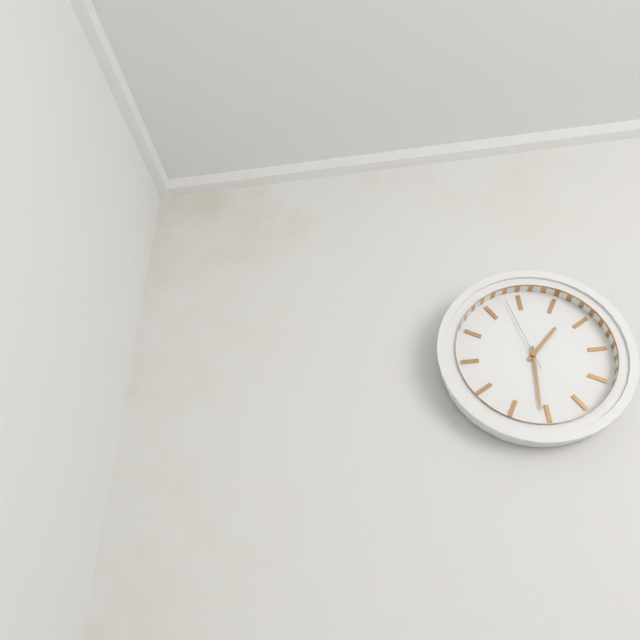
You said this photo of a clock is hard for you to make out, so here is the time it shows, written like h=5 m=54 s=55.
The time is h=1 m=31 s=58
